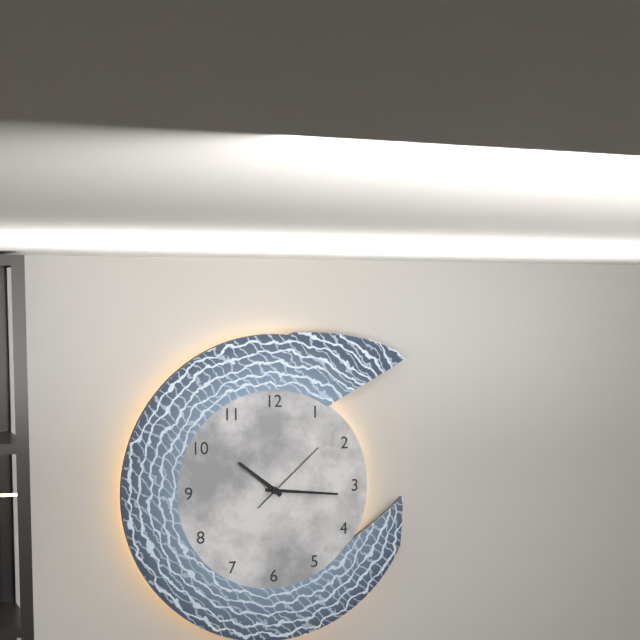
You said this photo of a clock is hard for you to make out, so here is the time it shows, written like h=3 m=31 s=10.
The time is h=10 m=16 s=8
